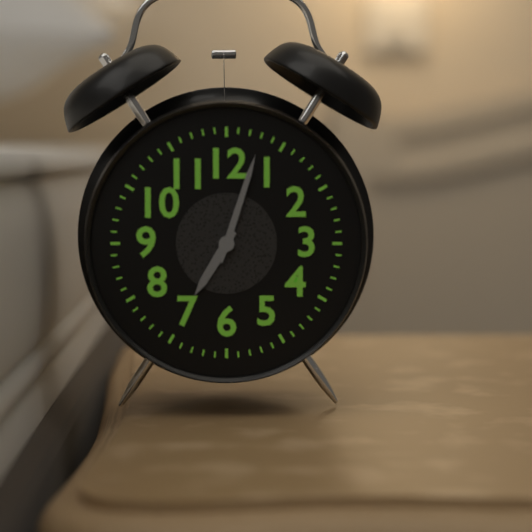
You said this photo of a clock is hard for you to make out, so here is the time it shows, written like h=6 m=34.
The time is h=7 m=3
